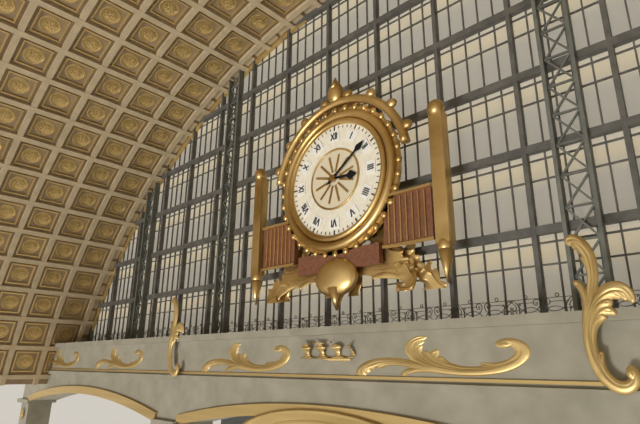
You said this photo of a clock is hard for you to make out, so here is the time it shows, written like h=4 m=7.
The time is h=3 m=9
